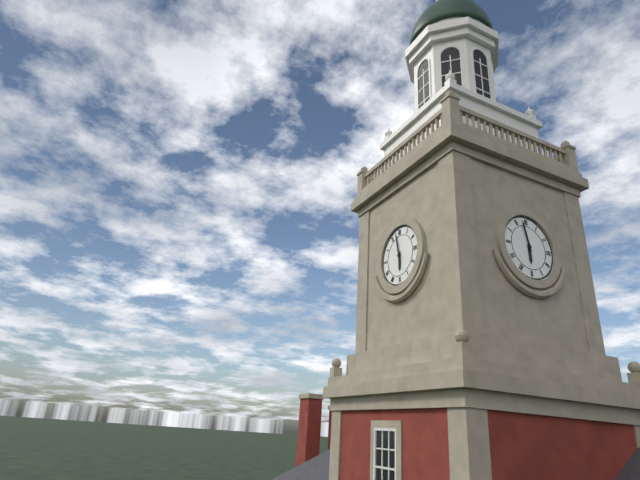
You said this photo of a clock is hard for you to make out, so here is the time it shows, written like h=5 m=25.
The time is h=5 m=58
